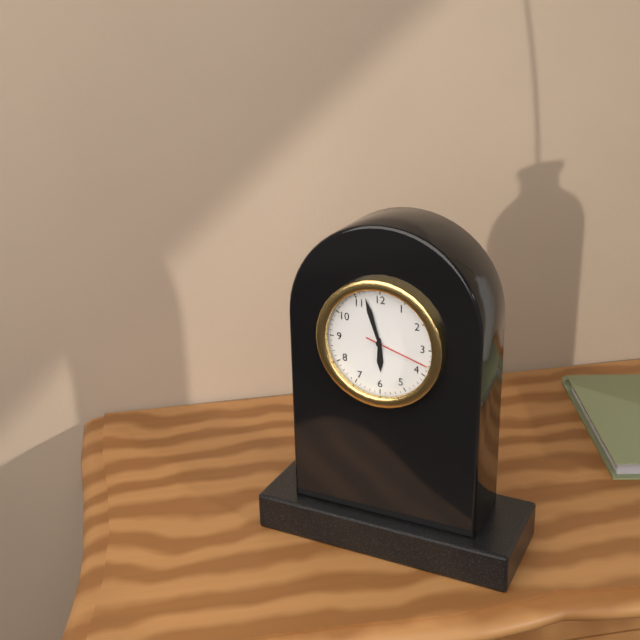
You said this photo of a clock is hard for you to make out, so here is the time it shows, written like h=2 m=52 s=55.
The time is h=5 m=57 s=18
